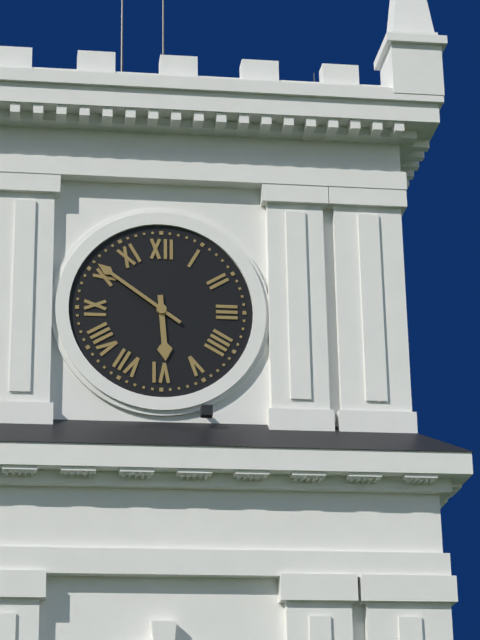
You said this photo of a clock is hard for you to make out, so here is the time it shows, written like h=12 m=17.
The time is h=5 m=51
